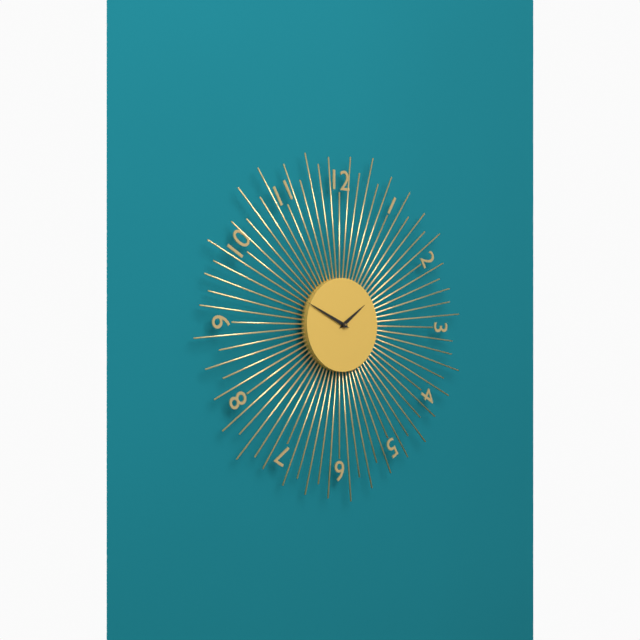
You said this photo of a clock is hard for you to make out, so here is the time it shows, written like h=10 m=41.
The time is h=1 m=49
